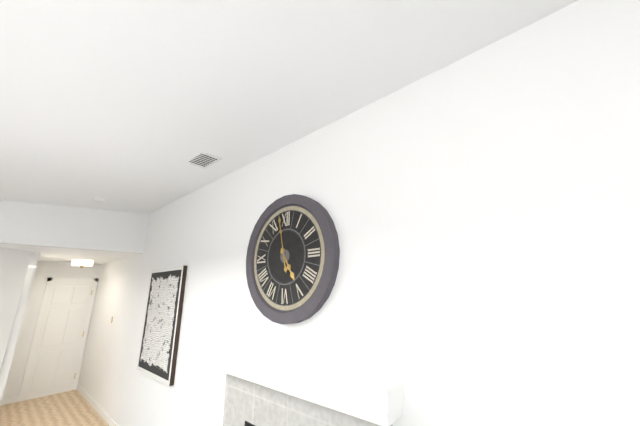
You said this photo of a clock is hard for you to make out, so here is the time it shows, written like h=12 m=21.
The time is h=4 m=58
